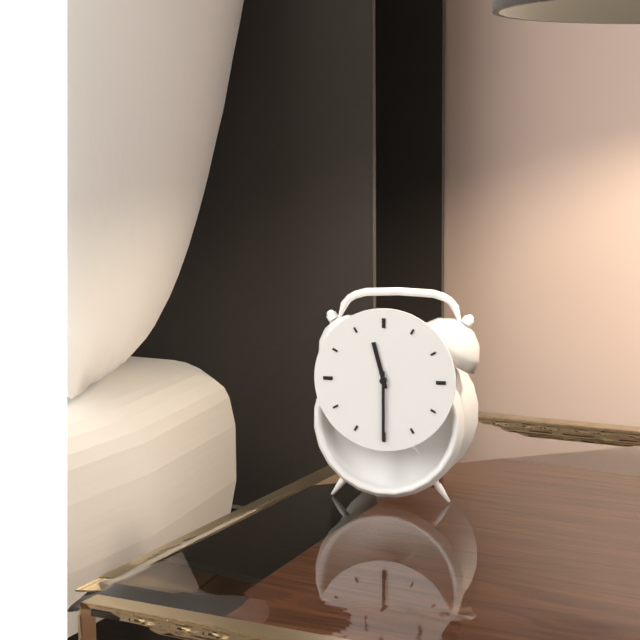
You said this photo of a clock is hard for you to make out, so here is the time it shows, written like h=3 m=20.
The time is h=11 m=30
